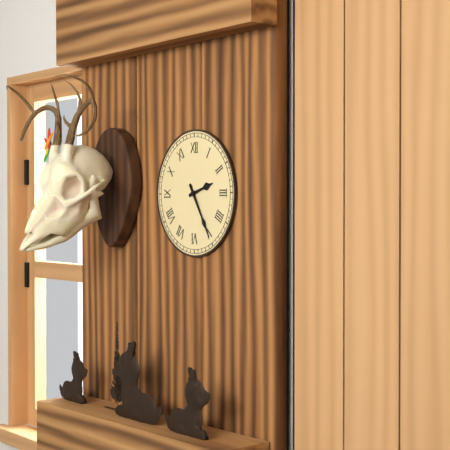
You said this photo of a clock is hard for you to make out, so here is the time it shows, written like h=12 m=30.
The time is h=2 m=25
